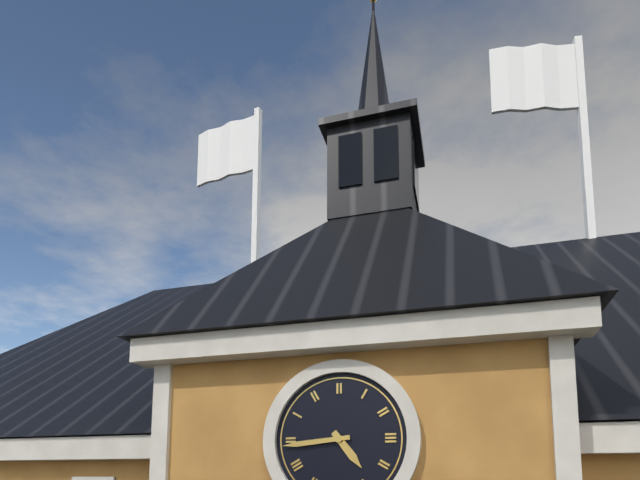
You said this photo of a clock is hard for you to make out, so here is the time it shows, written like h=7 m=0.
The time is h=4 m=44
